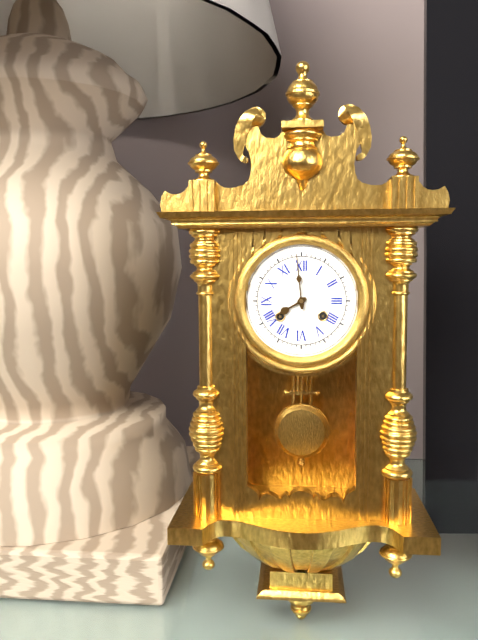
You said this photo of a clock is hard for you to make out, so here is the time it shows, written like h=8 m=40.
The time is h=7 m=59
